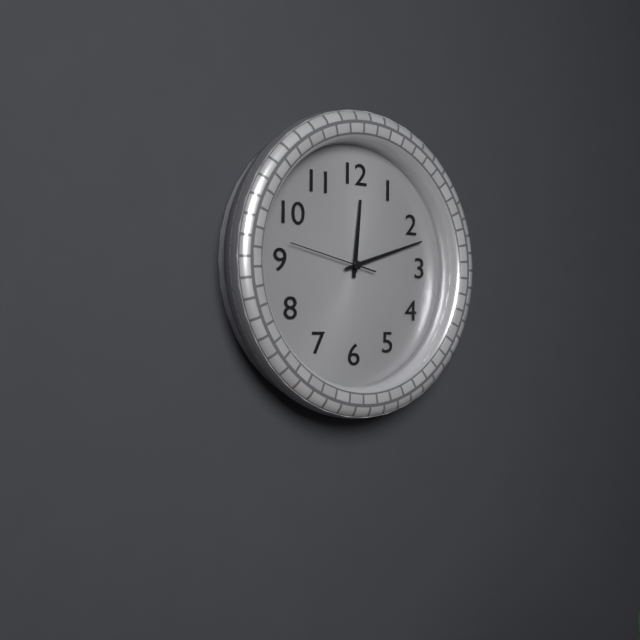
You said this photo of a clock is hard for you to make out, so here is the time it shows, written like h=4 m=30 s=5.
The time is h=12 m=12 s=47
